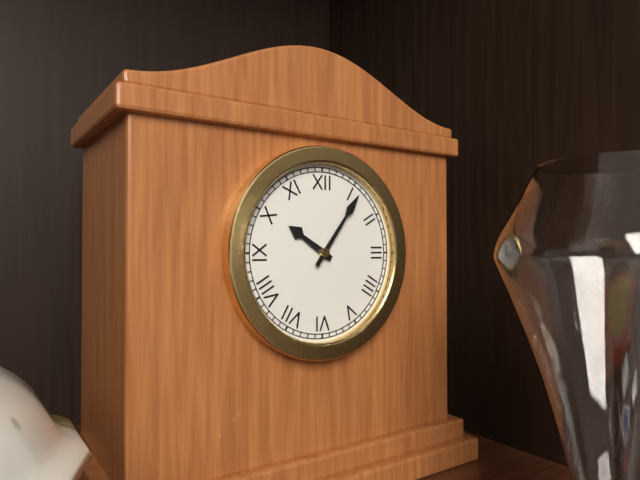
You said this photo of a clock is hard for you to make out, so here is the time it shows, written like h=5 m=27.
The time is h=10 m=6
